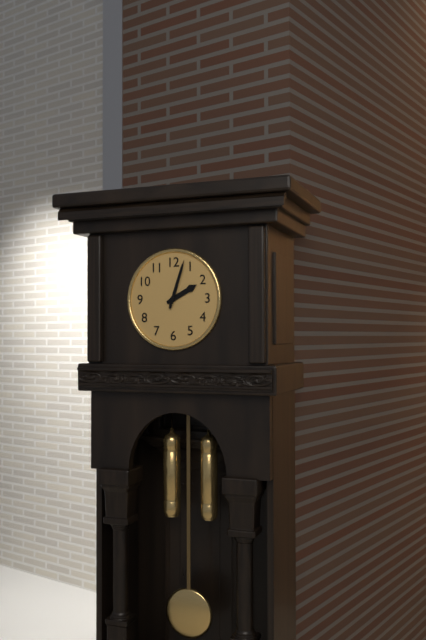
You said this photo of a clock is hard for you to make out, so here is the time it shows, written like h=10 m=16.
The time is h=2 m=3
